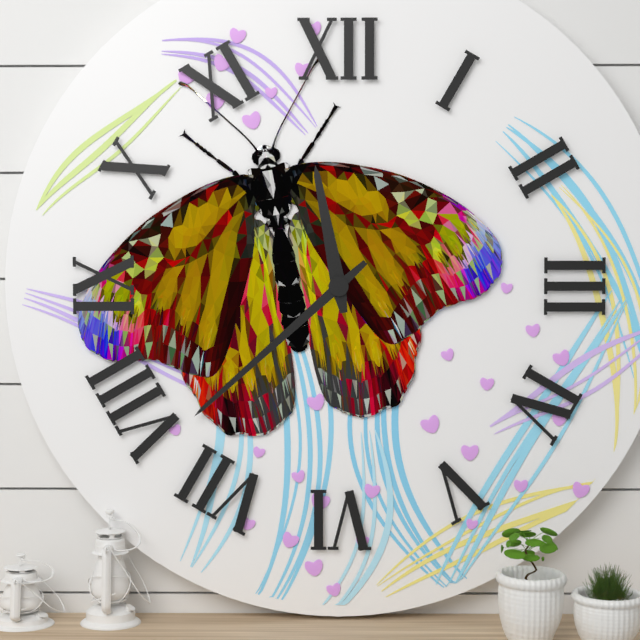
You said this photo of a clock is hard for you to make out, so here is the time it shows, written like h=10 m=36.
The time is h=11 m=38
